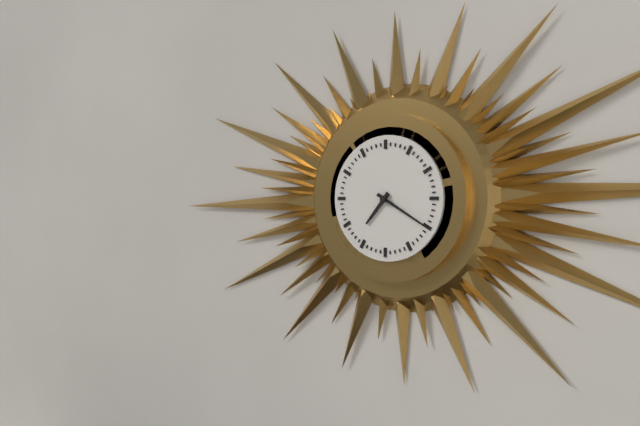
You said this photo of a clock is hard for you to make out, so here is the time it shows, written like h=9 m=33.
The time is h=7 m=20
